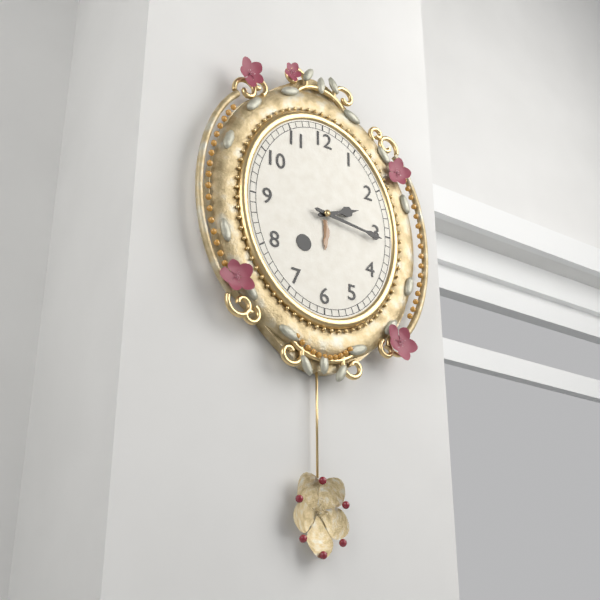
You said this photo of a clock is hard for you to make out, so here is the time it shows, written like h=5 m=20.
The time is h=2 m=16
